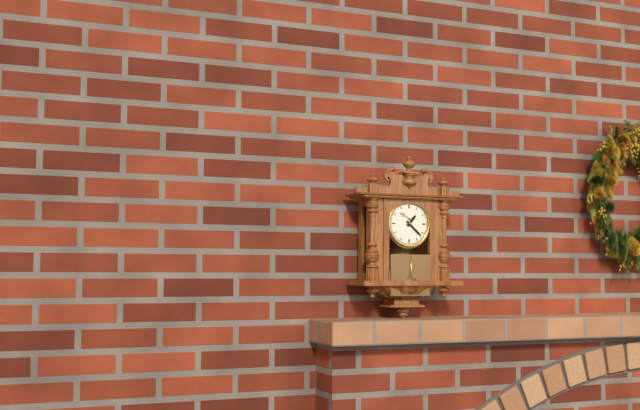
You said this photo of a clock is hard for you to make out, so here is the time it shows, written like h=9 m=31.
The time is h=1 m=22
